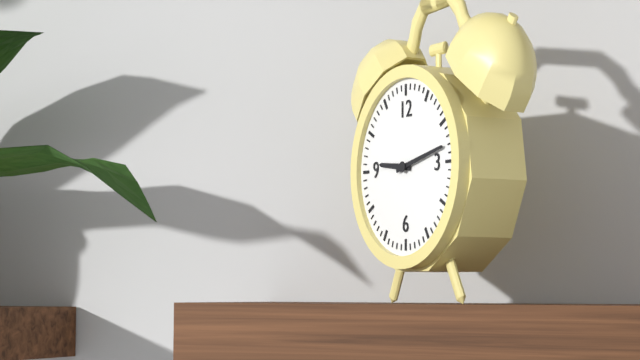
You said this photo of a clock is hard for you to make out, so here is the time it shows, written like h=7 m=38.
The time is h=9 m=13
